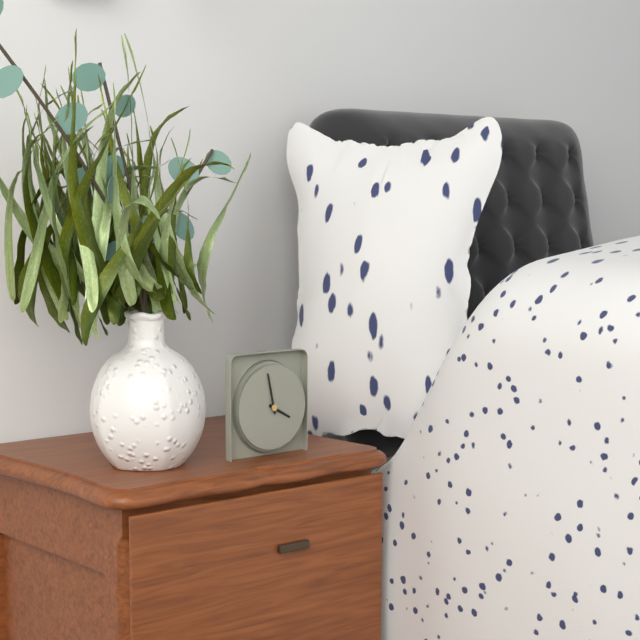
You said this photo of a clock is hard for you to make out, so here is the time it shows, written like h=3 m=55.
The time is h=3 m=58
